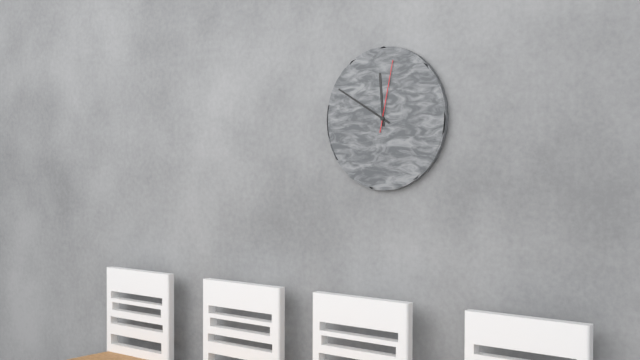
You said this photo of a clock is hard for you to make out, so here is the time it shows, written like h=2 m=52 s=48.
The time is h=11 m=50 s=2
